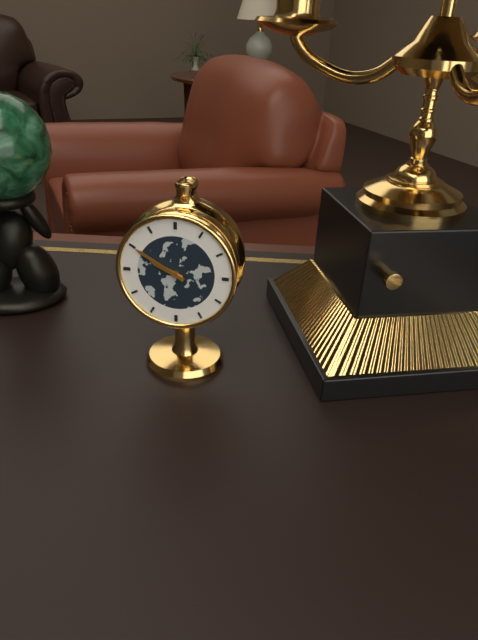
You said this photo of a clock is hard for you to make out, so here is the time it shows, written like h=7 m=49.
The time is h=9 m=50
